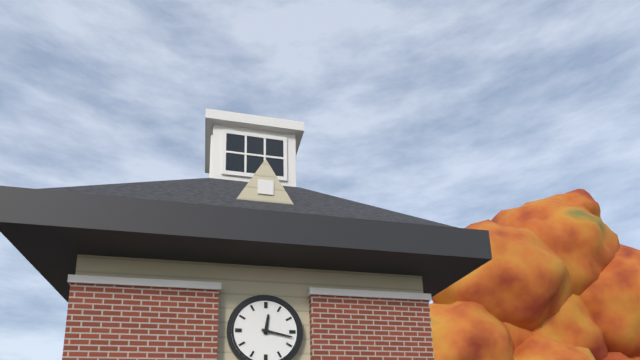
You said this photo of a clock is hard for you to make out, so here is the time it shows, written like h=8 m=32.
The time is h=12 m=17
